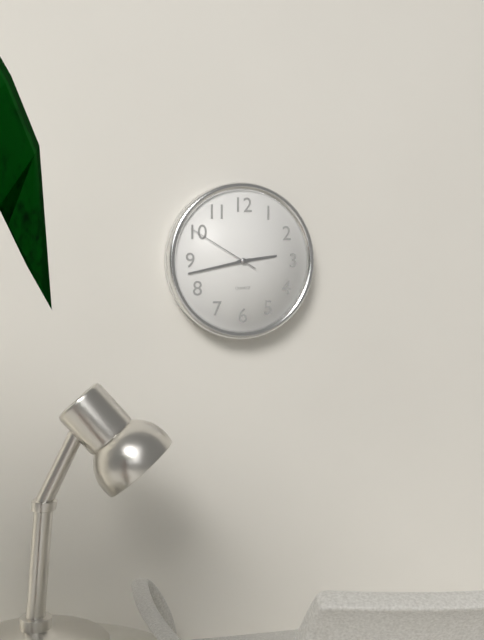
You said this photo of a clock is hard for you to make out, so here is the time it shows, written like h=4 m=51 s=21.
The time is h=2 m=43 s=50
